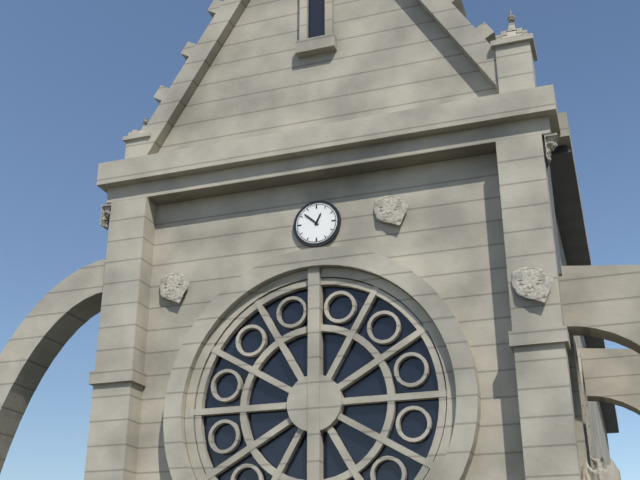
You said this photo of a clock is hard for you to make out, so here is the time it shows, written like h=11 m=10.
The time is h=12 m=52
